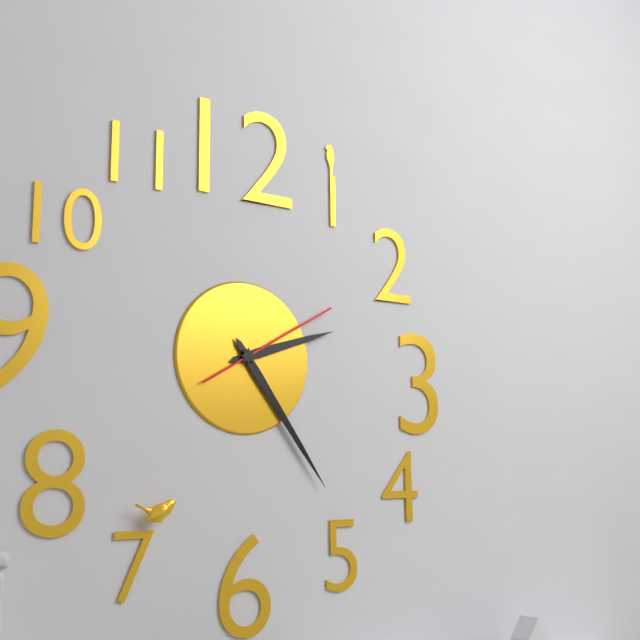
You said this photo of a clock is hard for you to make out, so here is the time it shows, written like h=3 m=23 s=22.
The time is h=2 m=24 s=10
